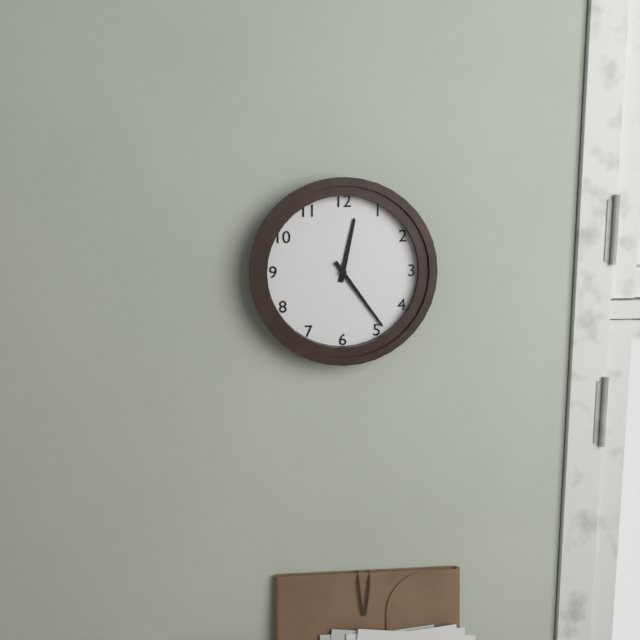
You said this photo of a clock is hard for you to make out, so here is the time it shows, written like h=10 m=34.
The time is h=12 m=24
